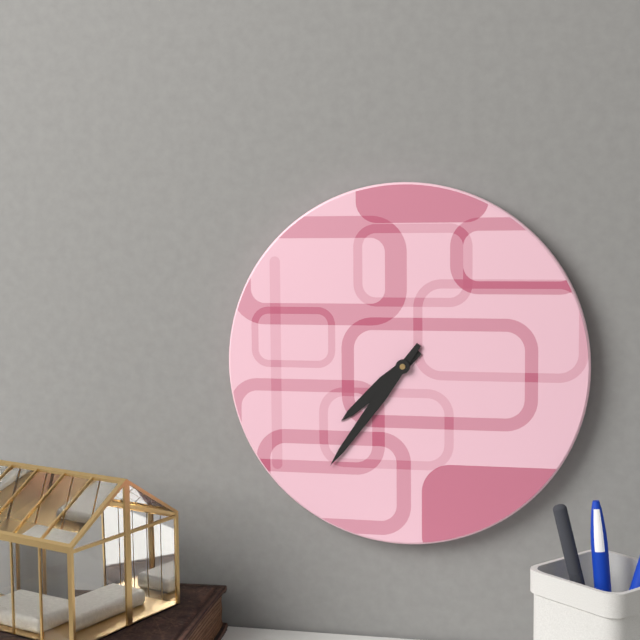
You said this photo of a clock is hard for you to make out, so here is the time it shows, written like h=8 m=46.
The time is h=7 m=36
